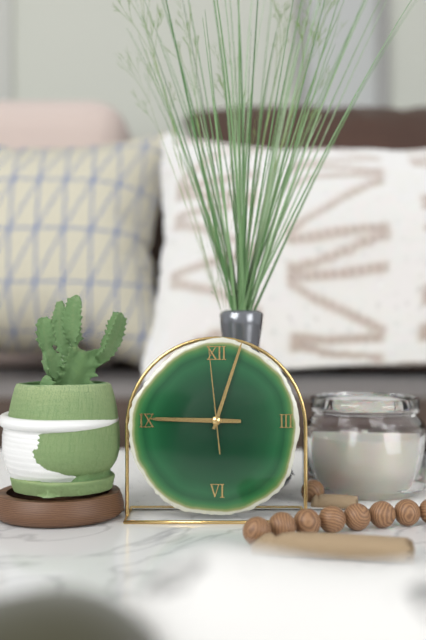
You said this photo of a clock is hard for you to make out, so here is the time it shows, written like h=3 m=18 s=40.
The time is h=9 m=3 s=59
